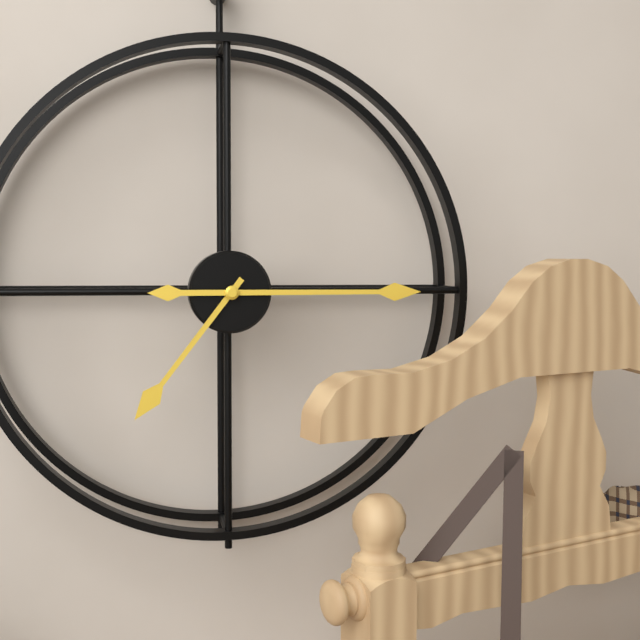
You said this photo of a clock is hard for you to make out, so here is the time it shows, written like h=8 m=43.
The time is h=7 m=15
